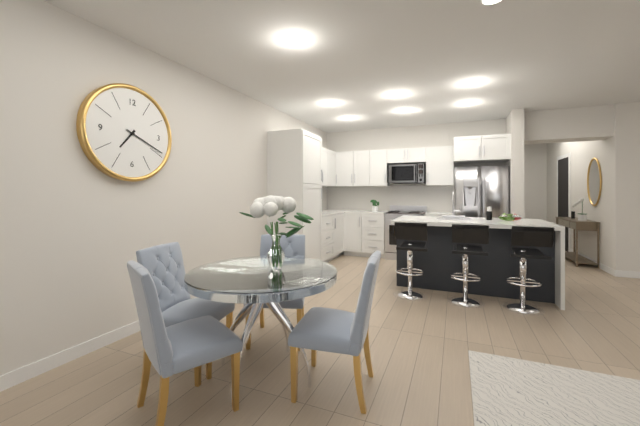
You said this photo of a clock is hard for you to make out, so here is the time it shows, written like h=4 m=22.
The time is h=7 m=19
